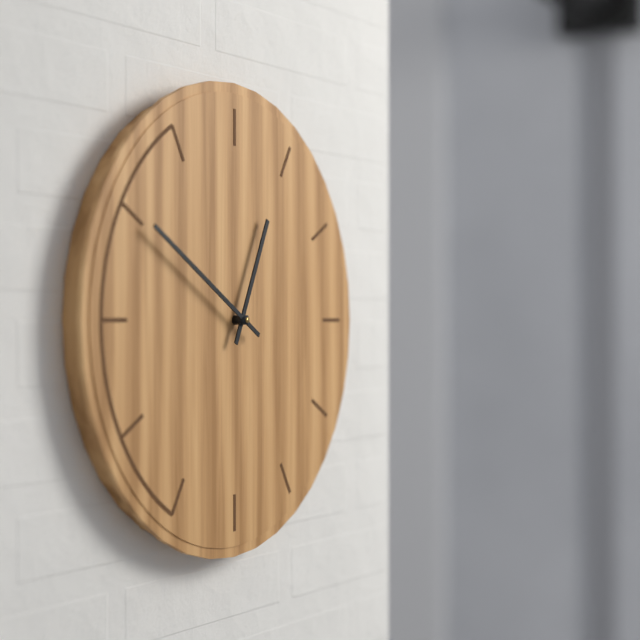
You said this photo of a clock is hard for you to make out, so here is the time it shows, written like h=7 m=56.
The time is h=12 m=50
